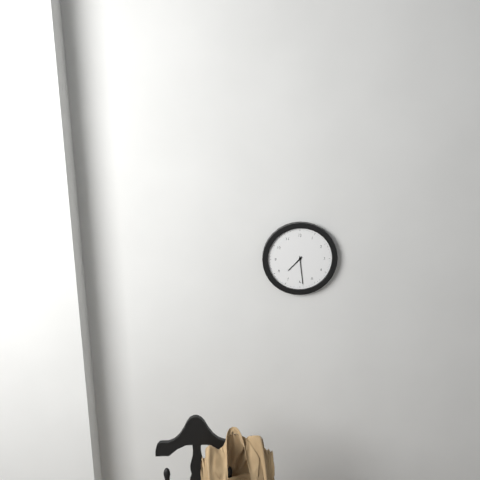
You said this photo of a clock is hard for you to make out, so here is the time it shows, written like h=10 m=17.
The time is h=7 m=29
